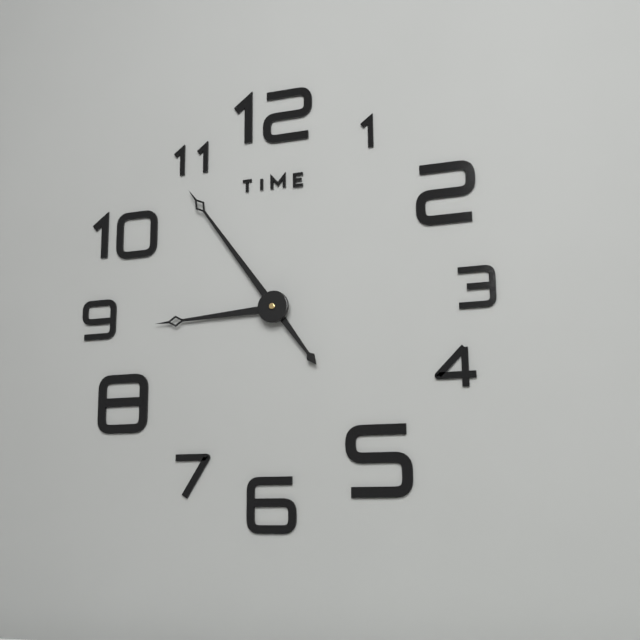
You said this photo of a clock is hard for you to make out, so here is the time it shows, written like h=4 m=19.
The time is h=8 m=54
